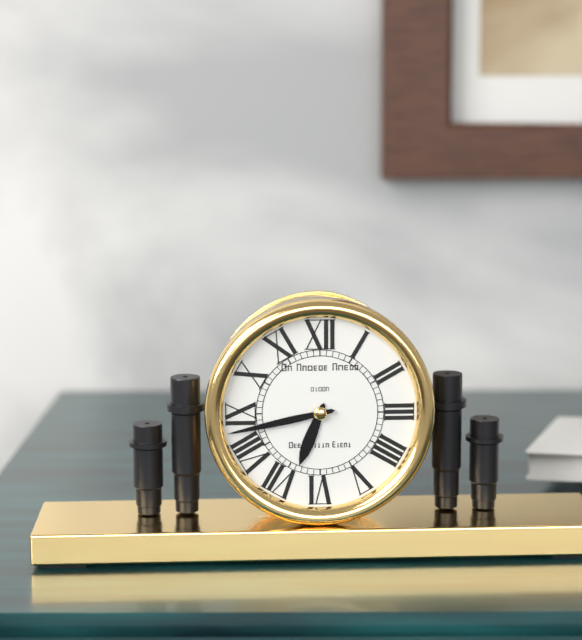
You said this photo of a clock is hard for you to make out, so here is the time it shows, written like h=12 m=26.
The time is h=6 m=43
